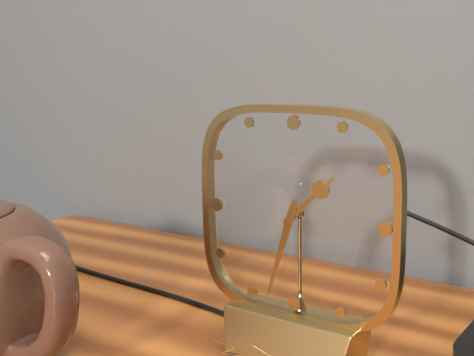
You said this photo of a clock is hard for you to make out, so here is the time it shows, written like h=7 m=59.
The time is h=1 m=33
